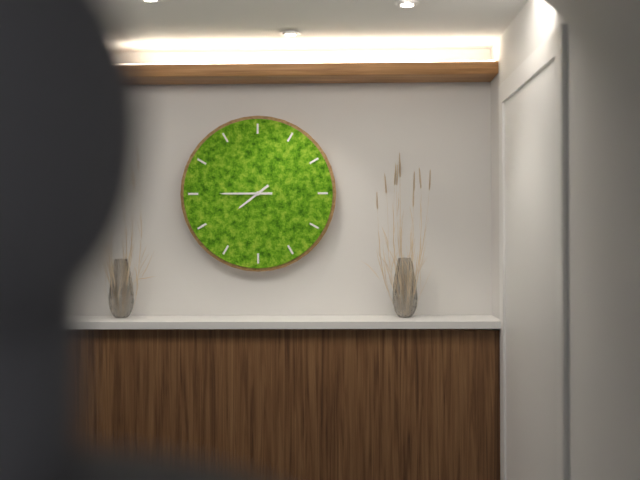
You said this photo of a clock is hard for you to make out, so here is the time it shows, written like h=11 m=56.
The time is h=7 m=45
